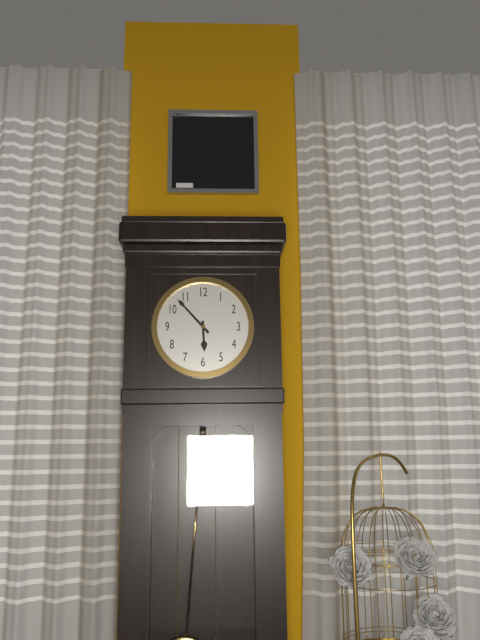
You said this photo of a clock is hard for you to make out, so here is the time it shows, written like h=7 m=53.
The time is h=5 m=53
